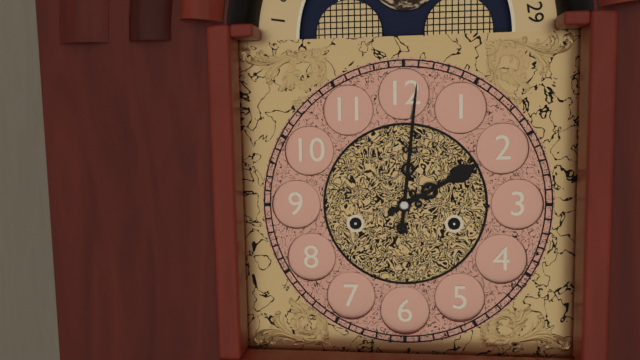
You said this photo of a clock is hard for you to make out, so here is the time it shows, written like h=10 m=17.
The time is h=2 m=1
